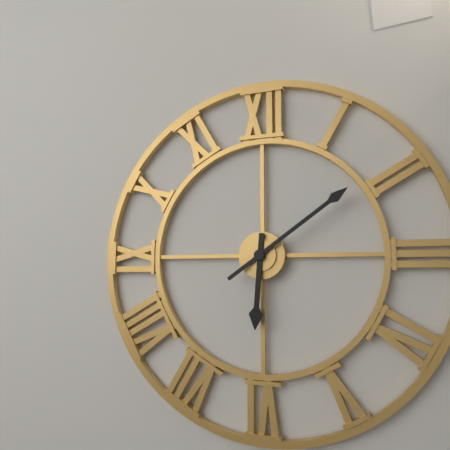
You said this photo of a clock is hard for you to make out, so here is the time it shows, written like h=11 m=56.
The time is h=6 m=9
